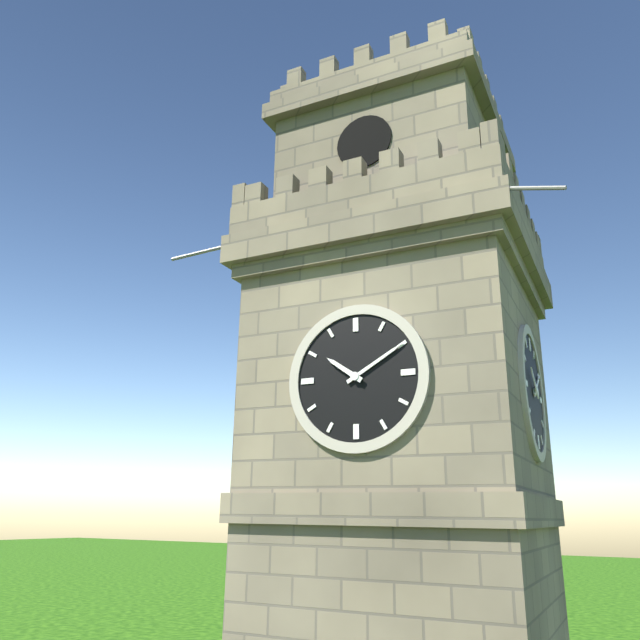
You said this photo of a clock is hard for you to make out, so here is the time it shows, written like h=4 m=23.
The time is h=10 m=10
